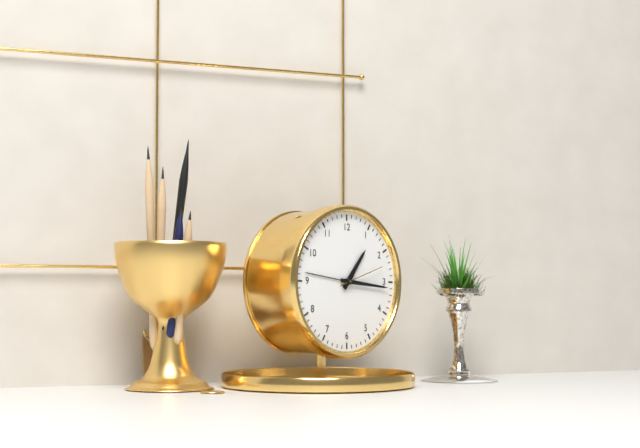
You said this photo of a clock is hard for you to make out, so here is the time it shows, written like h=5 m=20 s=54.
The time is h=1 m=16 s=12
